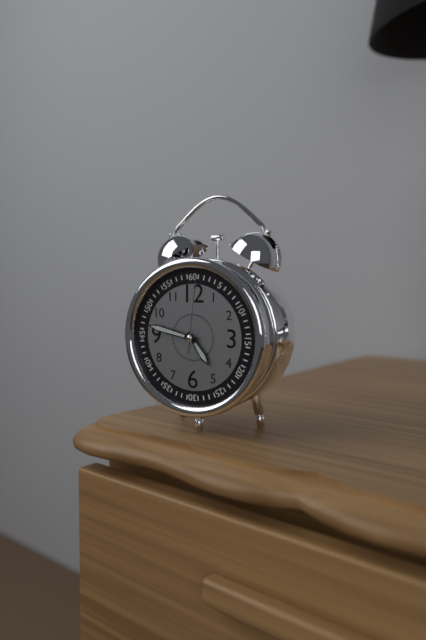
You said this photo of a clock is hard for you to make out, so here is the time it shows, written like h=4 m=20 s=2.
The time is h=4 m=47 s=1
